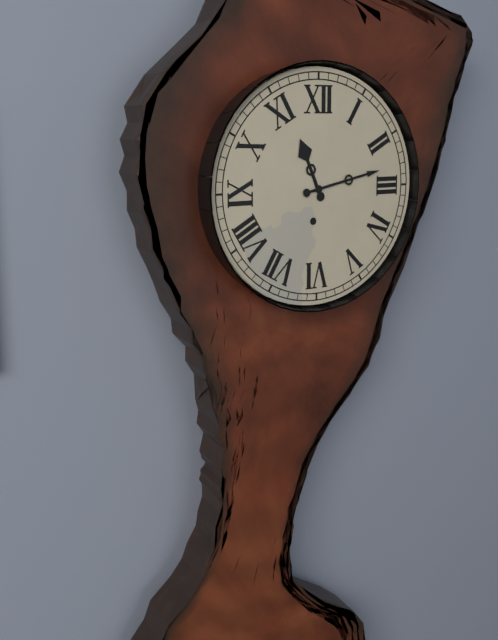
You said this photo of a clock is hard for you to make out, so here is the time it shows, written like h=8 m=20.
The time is h=11 m=13
